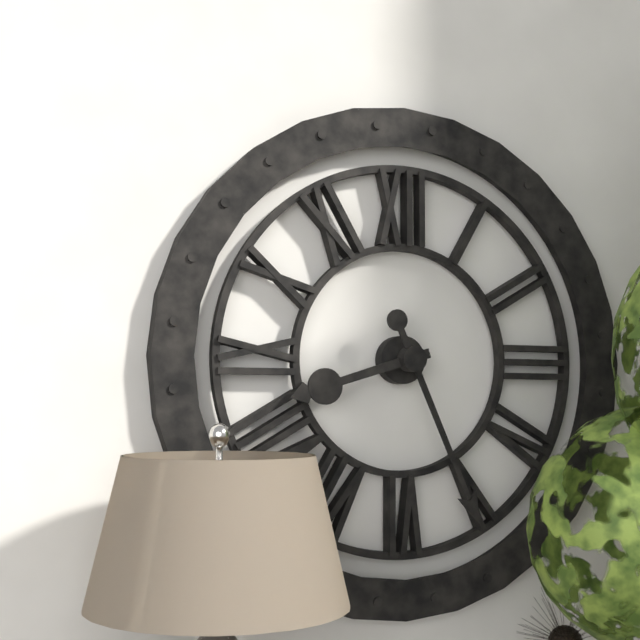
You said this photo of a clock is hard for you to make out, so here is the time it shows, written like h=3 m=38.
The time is h=8 m=26
